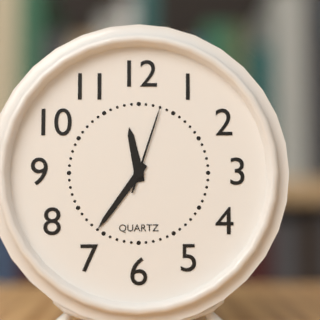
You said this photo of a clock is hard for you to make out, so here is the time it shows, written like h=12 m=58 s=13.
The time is h=11 m=36 s=3
